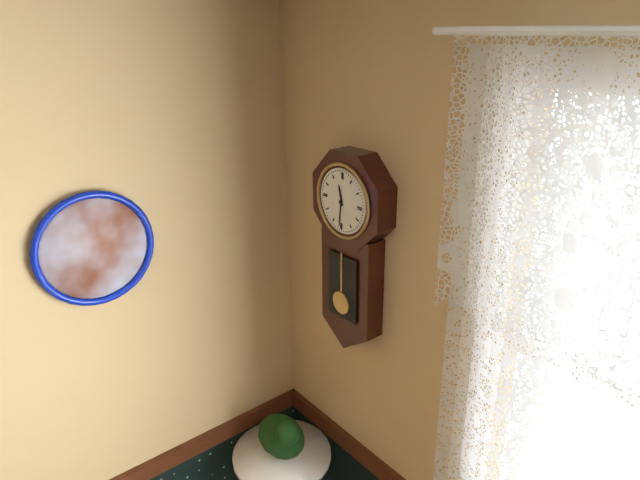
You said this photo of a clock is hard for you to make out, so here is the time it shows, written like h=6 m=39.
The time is h=11 m=31
